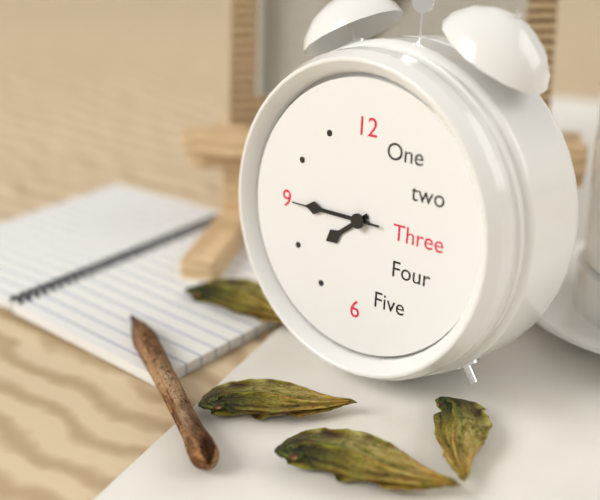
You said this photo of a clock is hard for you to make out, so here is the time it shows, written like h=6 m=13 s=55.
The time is h=7 m=45 s=45
